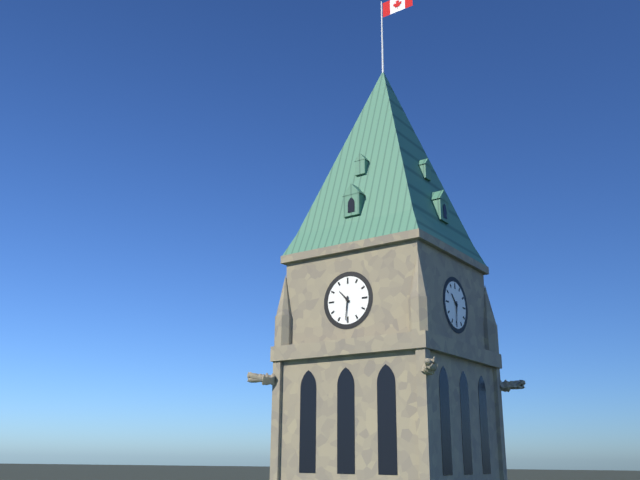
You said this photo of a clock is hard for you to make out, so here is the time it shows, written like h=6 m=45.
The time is h=10 m=31
